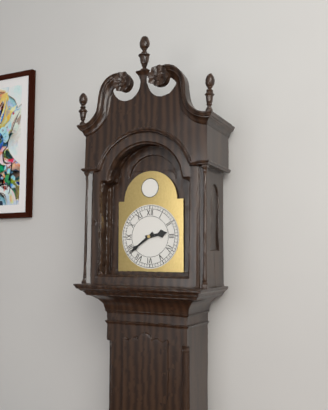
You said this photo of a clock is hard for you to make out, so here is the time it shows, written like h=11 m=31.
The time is h=2 m=39
